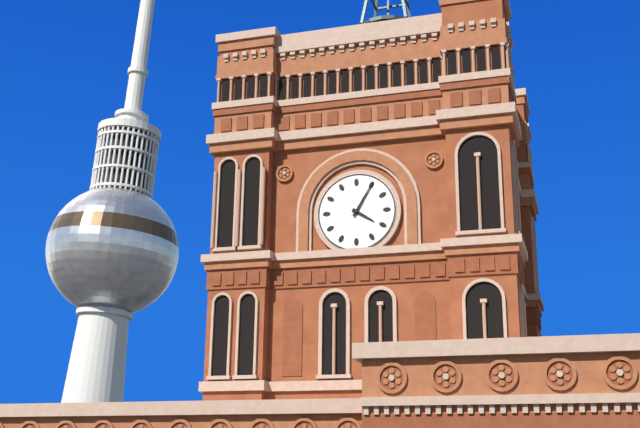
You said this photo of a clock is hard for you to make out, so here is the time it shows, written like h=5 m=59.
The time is h=4 m=5
